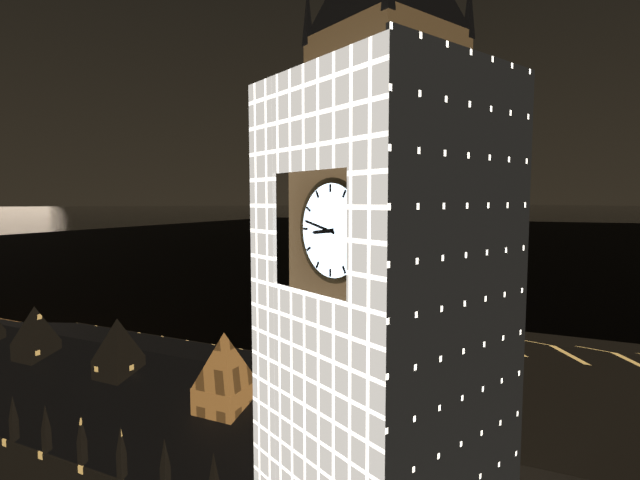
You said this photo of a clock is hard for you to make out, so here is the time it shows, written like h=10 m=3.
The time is h=8 m=47
